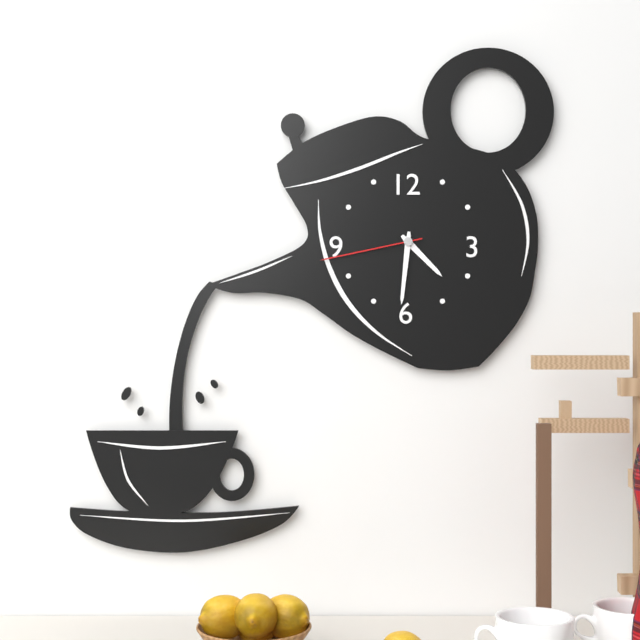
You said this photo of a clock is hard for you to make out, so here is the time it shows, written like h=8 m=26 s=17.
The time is h=4 m=31 s=43
